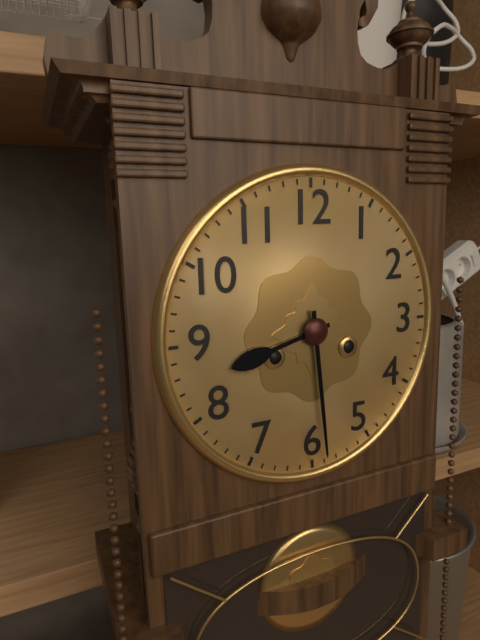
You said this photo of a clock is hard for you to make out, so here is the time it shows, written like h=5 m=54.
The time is h=8 m=29
